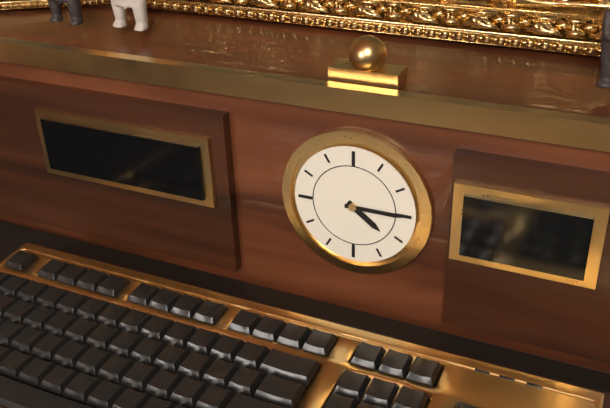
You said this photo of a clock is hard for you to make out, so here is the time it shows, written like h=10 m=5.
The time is h=4 m=15
